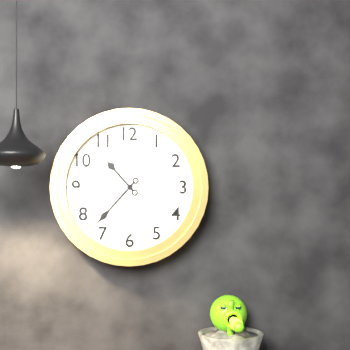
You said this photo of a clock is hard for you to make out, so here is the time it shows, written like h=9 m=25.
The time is h=10 m=37
